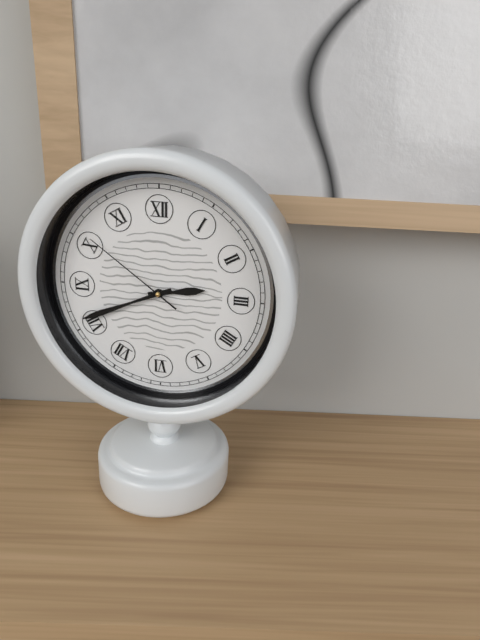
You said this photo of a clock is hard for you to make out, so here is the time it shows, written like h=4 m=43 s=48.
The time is h=2 m=41 s=51
